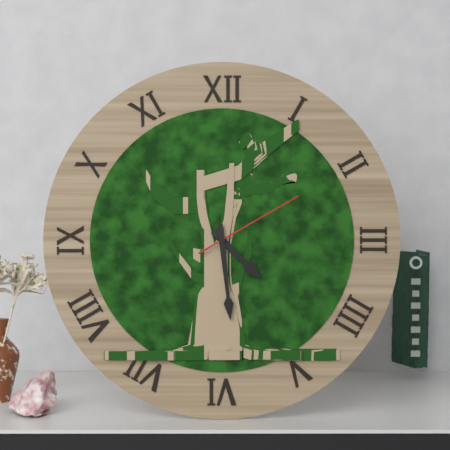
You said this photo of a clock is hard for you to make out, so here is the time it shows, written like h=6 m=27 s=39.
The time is h=4 m=29 s=10
